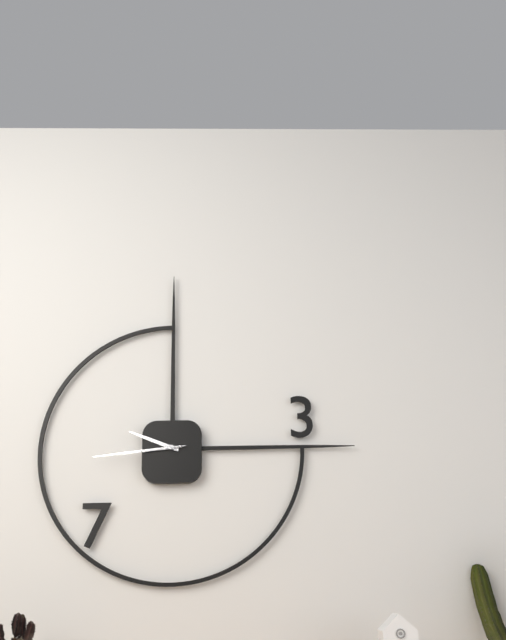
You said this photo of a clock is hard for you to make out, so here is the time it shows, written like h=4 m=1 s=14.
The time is h=9 m=44 s=44
